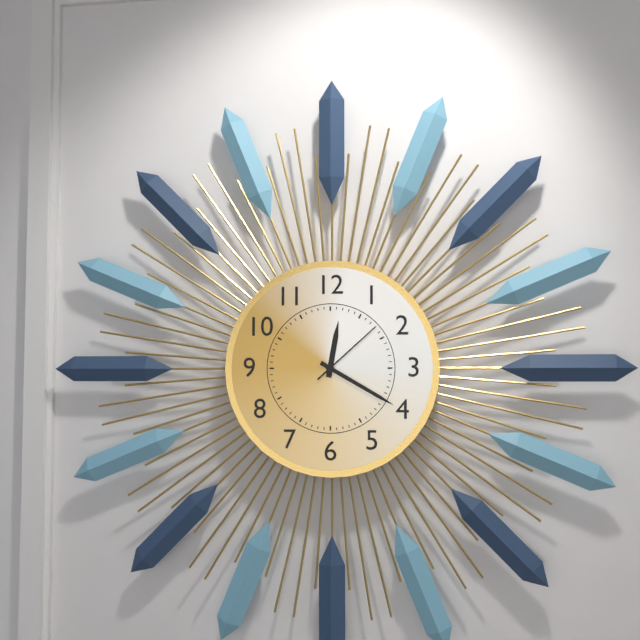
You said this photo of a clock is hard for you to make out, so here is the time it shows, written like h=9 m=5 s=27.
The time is h=12 m=20 s=8
